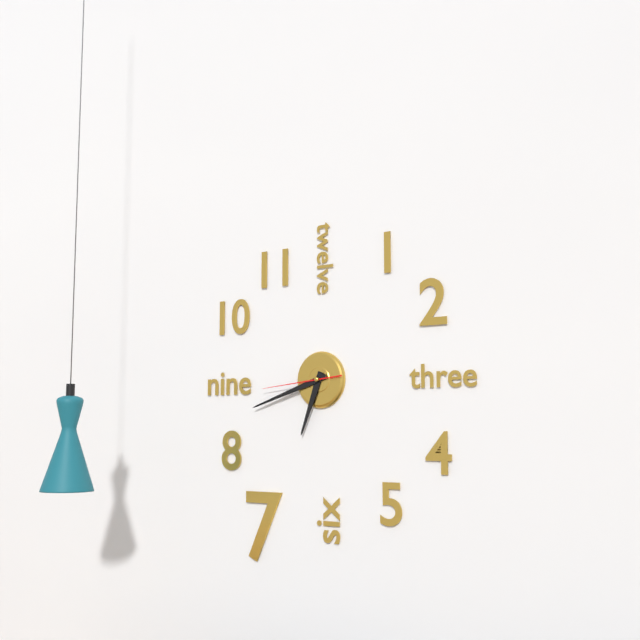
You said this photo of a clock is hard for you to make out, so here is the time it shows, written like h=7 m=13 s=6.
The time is h=6 m=42 s=44
